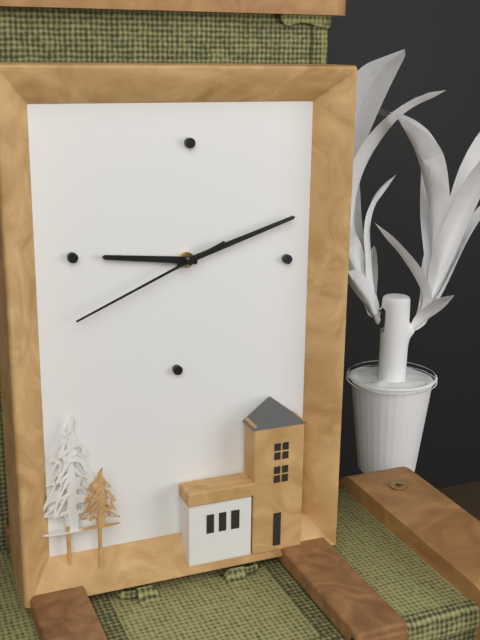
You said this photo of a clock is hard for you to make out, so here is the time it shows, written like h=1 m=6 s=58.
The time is h=9 m=12 s=41
